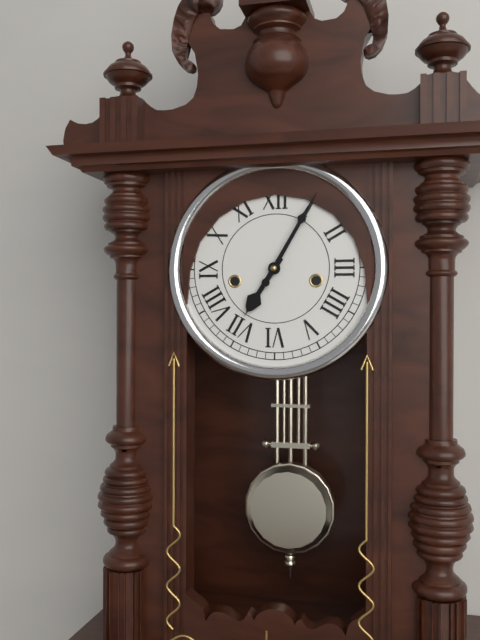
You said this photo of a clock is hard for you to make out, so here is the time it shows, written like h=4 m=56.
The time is h=7 m=5
